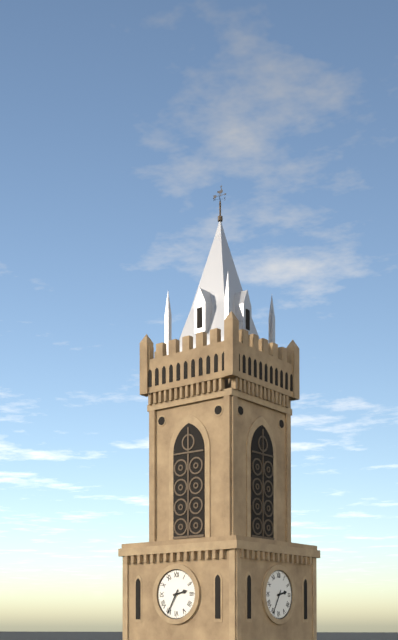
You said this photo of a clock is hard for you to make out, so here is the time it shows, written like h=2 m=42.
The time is h=2 m=35
